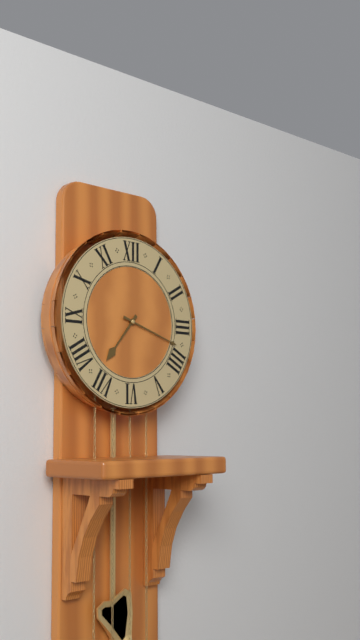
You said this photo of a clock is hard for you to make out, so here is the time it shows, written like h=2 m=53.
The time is h=7 m=18
